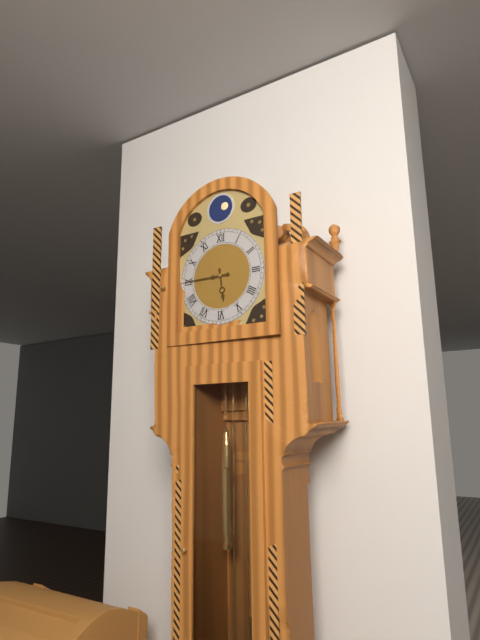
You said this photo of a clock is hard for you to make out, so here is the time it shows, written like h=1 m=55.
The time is h=5 m=45
